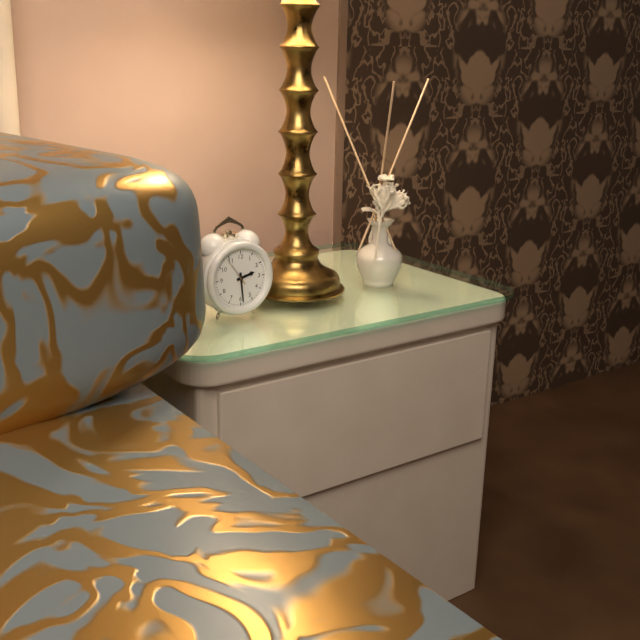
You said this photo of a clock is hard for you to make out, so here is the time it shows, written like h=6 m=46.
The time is h=2 m=29
